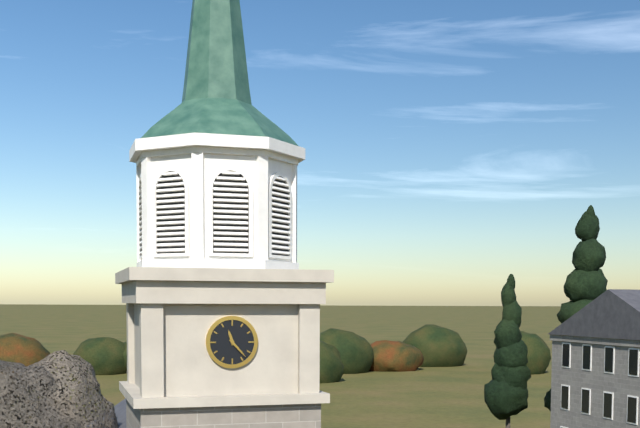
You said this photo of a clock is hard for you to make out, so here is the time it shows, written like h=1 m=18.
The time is h=11 m=23
